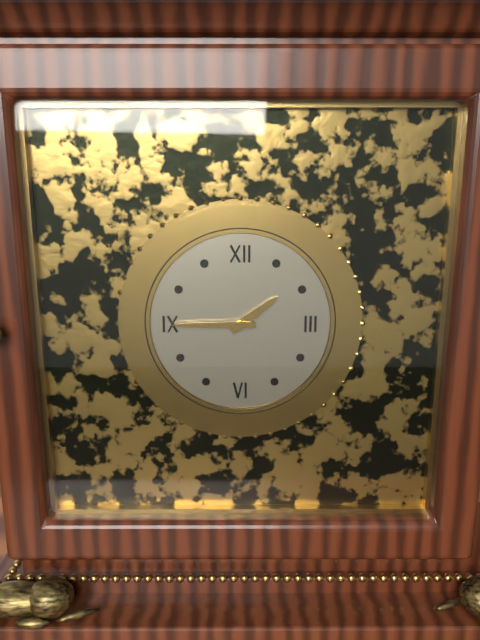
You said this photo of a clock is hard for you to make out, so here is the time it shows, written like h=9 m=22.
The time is h=1 m=45
